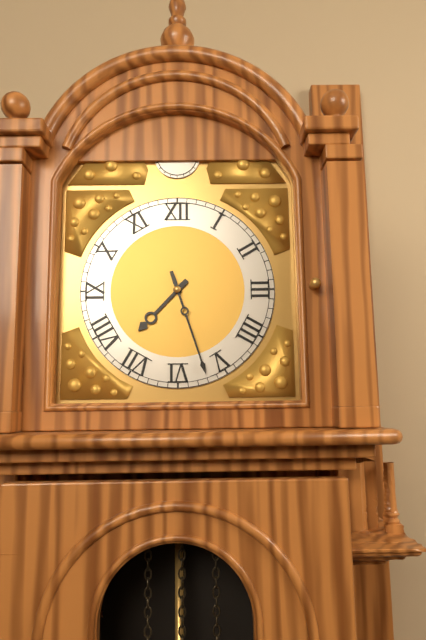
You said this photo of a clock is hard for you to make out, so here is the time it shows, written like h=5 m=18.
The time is h=7 m=27
